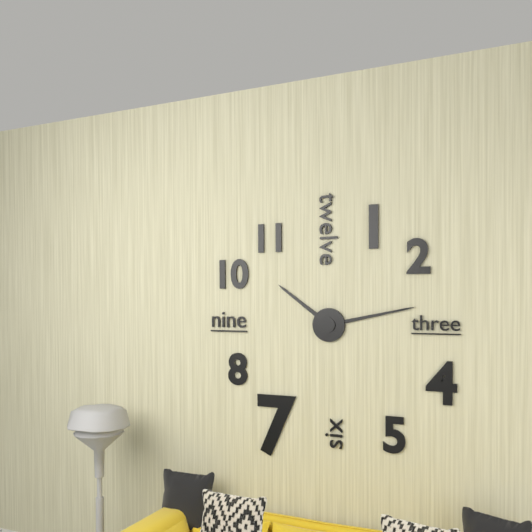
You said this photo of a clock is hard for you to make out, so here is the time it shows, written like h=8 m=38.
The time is h=10 m=13
